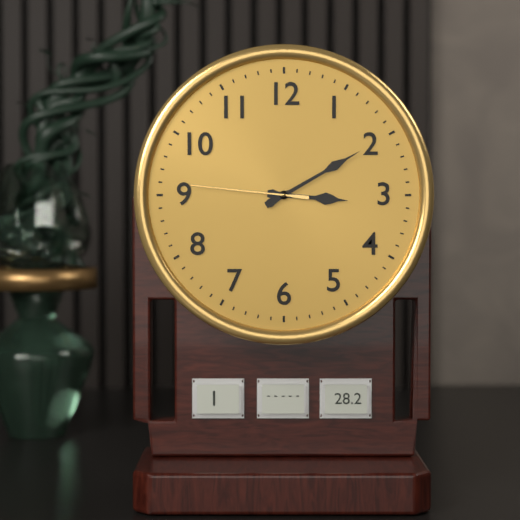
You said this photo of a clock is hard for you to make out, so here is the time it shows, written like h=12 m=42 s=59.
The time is h=3 m=10 s=46
